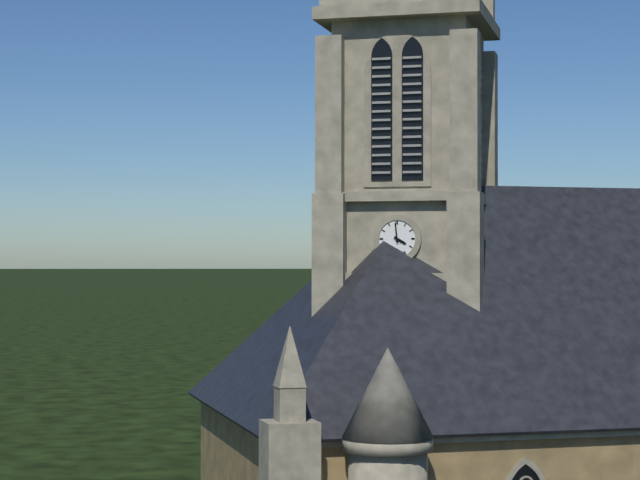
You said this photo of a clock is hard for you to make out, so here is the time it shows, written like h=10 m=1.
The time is h=3 m=59
